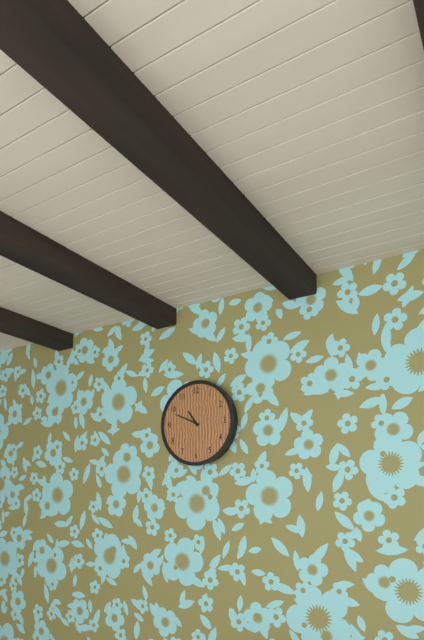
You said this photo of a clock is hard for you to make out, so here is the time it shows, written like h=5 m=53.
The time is h=10 m=49
